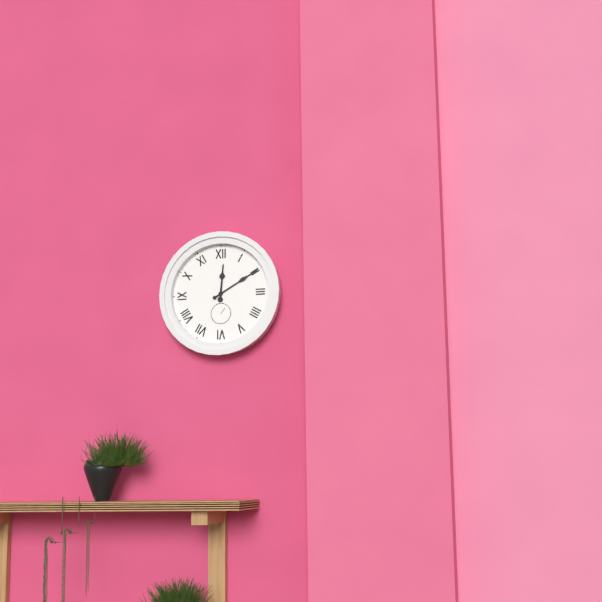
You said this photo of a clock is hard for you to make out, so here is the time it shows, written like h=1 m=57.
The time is h=12 m=10
